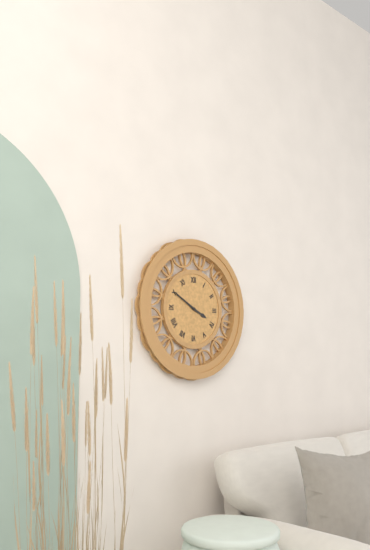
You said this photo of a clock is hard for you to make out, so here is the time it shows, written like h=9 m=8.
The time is h=3 m=50
